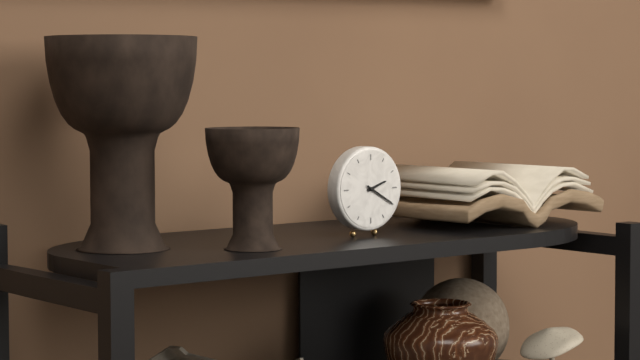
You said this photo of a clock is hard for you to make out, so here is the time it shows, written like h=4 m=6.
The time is h=2 m=20
